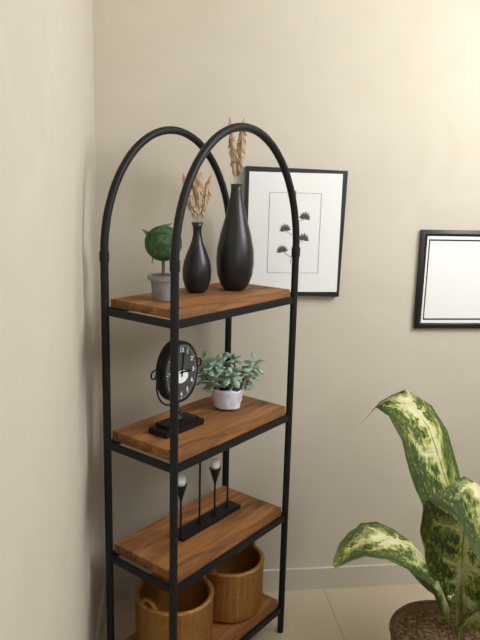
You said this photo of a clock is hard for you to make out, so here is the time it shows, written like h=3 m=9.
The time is h=3 m=1
